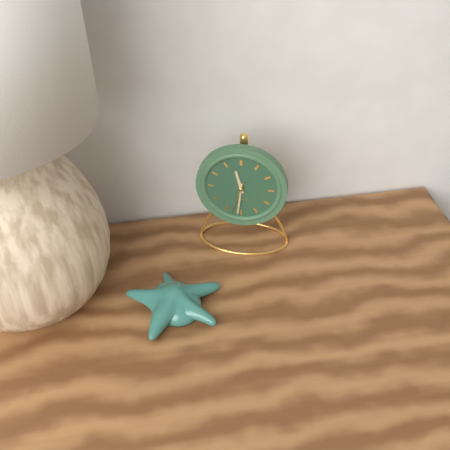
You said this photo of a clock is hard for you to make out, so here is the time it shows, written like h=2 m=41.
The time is h=11 m=31
